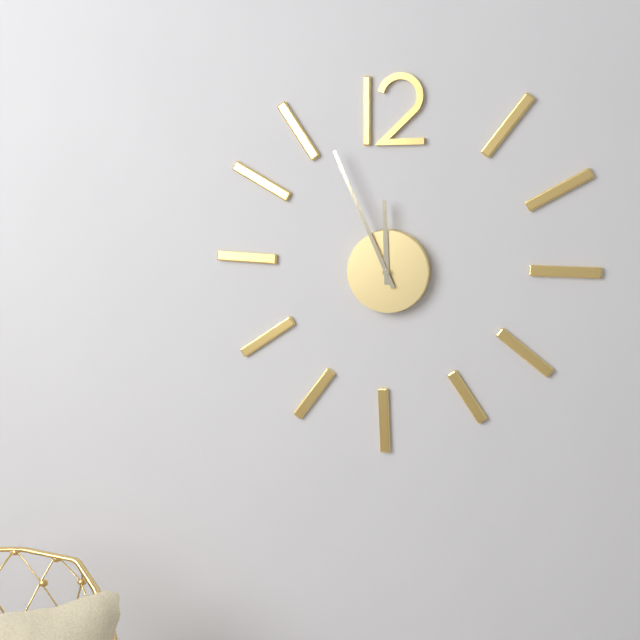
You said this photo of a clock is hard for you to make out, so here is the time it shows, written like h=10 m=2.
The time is h=11 m=56
